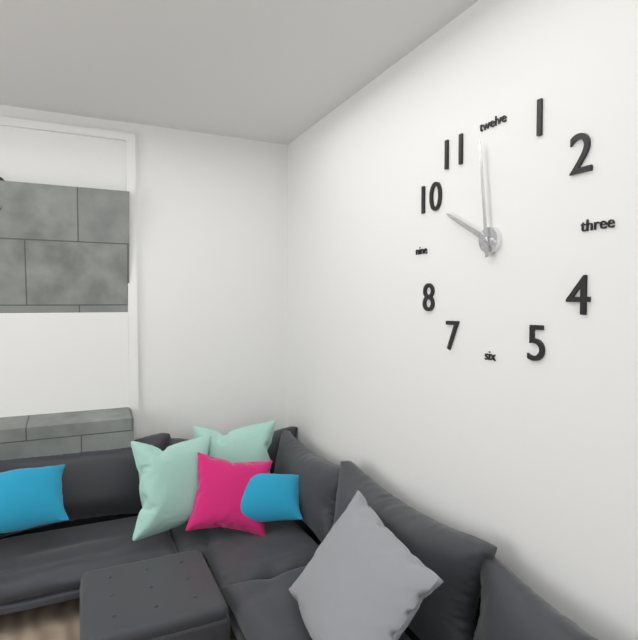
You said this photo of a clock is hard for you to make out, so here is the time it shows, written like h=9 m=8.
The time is h=9 m=59
